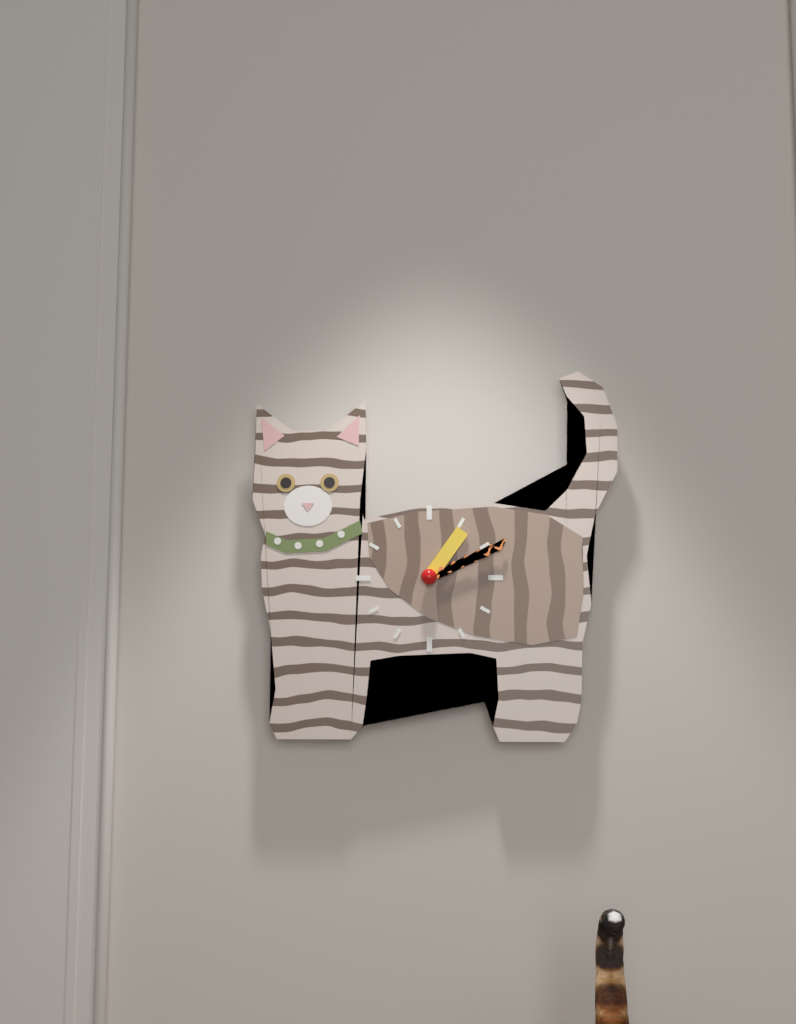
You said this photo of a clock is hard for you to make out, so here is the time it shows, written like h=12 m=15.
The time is h=1 m=11
